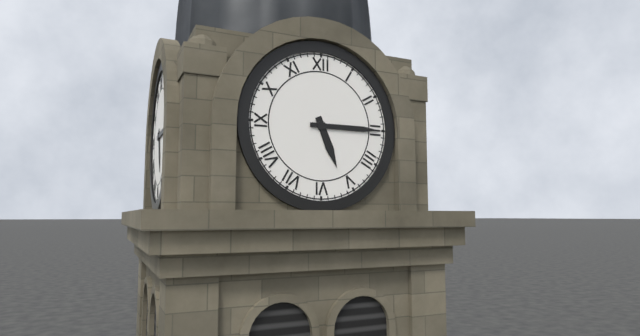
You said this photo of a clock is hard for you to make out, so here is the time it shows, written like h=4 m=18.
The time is h=5 m=15
